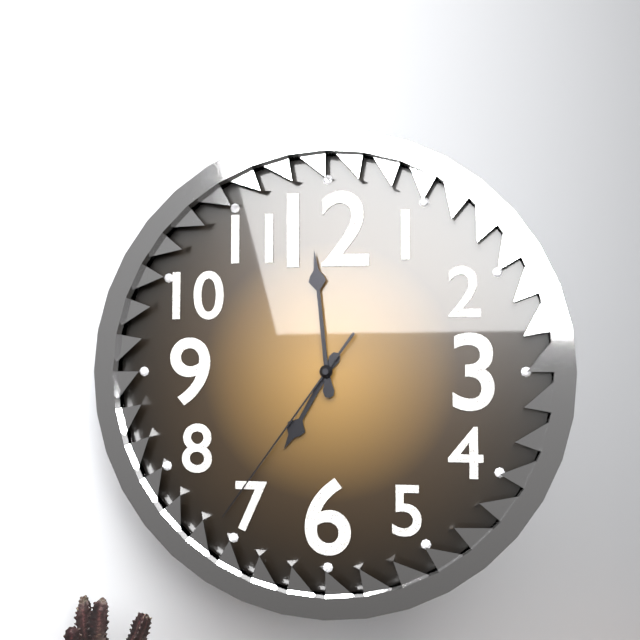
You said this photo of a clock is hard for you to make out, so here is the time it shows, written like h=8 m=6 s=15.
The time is h=6 m=59 s=36
